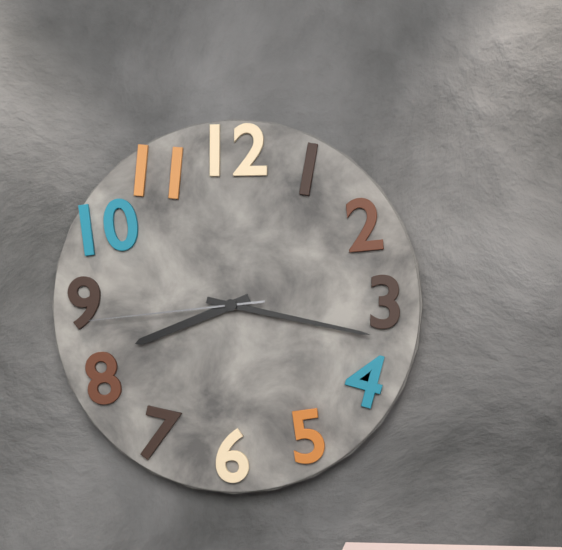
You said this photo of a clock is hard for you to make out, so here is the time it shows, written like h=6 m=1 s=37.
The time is h=8 m=17 s=44
